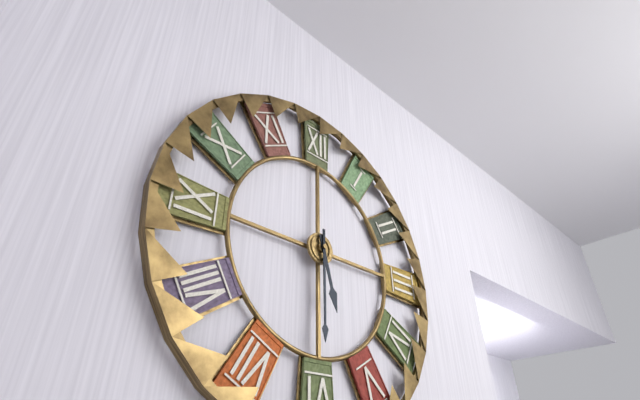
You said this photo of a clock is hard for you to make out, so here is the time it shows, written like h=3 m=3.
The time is h=5 m=30
